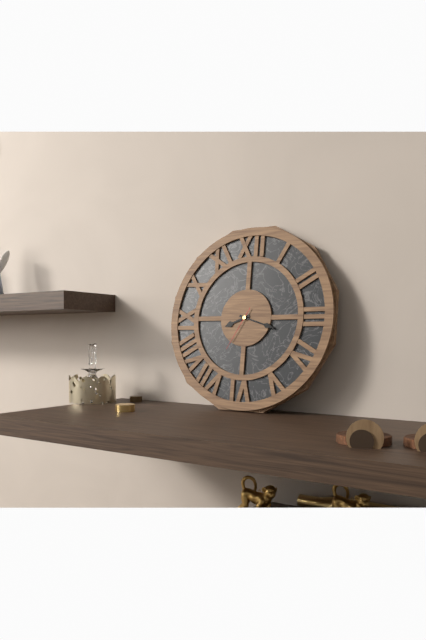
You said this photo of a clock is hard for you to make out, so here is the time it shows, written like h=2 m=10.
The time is h=8 m=18
